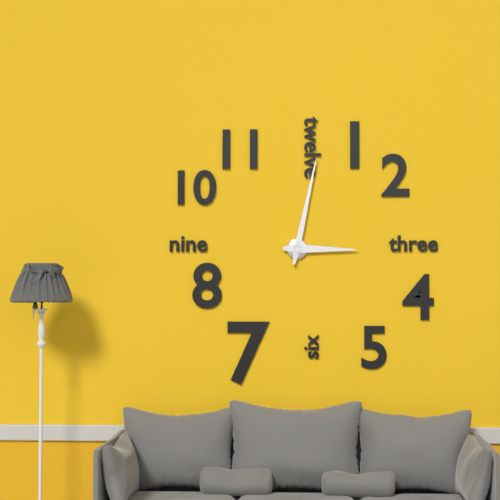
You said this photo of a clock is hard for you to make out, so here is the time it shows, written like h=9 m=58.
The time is h=3 m=2
